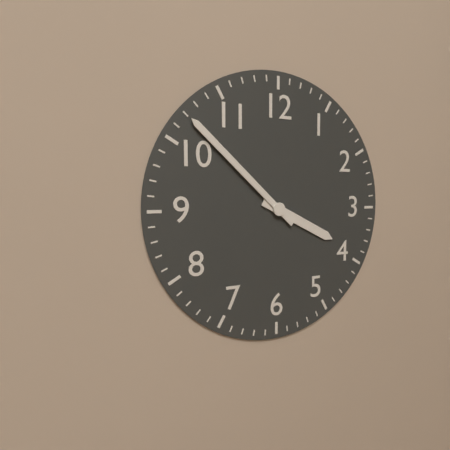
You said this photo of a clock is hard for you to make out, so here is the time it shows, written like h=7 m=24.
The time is h=3 m=52
